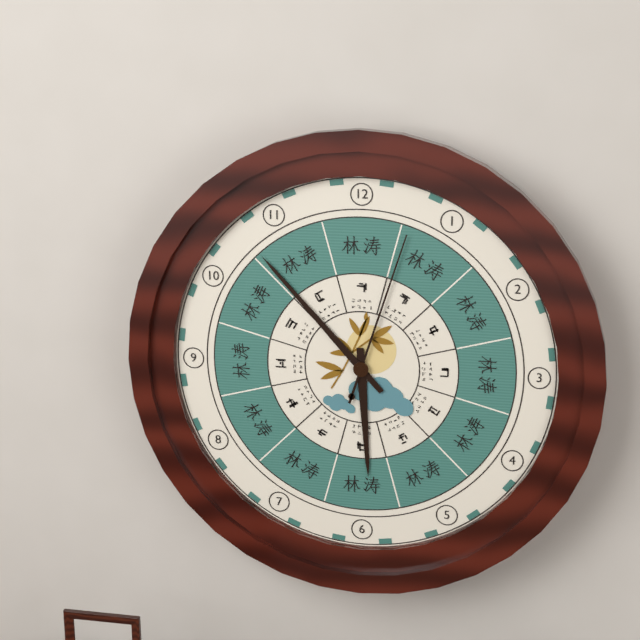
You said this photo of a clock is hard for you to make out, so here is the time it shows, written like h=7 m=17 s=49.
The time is h=5 m=53 s=3
